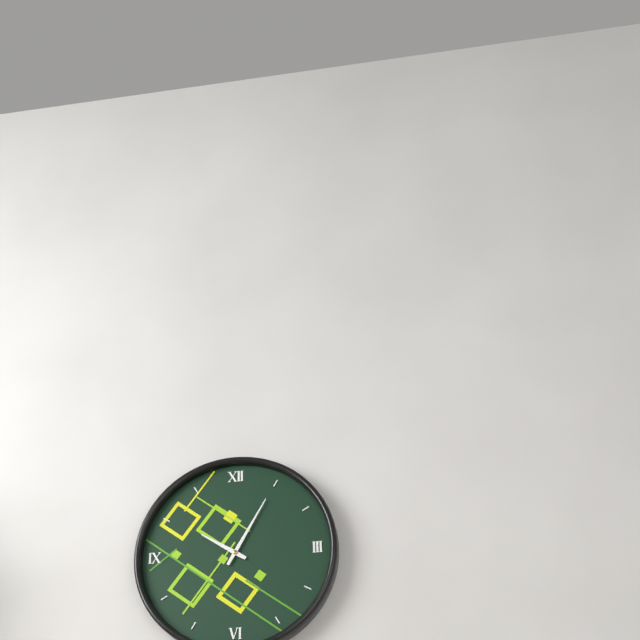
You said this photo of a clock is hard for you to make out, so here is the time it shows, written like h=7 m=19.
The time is h=10 m=5
